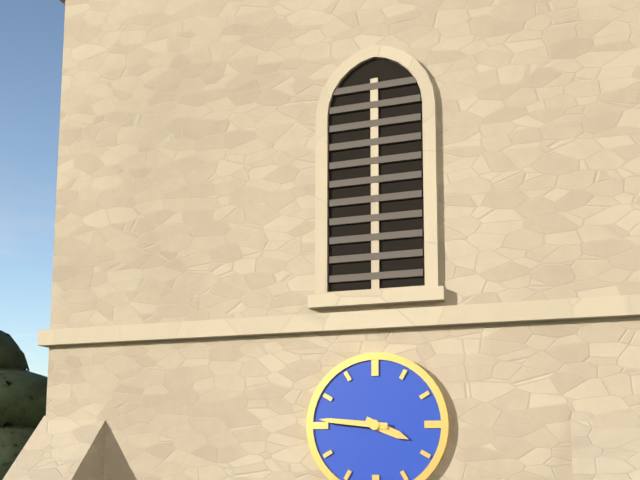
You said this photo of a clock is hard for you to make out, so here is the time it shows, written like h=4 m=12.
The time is h=3 m=46
